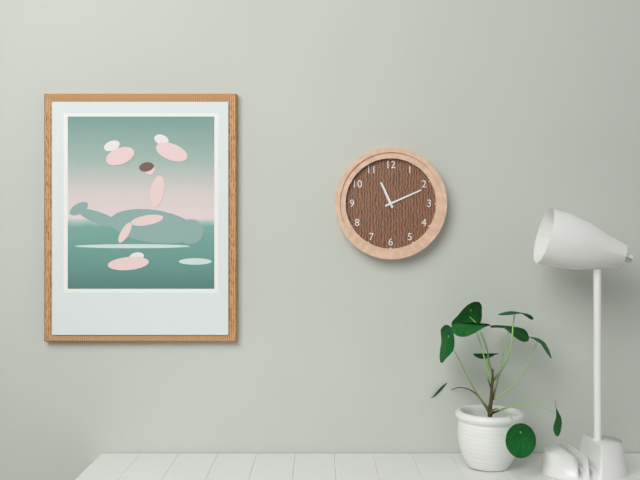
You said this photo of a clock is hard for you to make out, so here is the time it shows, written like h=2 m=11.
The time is h=11 m=11
